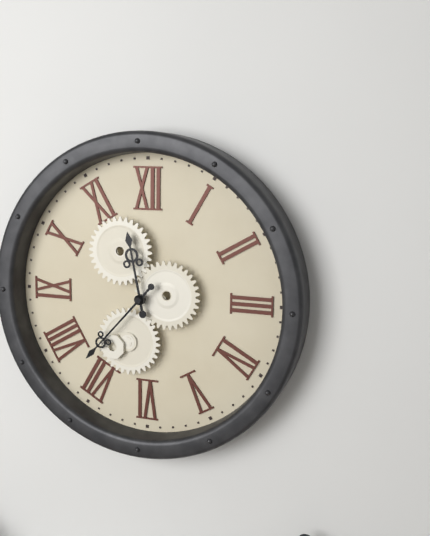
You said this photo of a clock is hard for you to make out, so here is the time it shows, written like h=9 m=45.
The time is h=11 m=37
